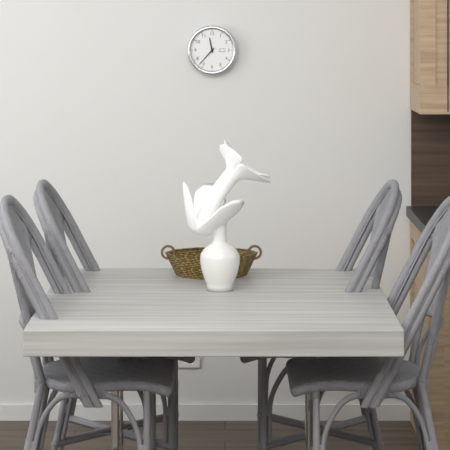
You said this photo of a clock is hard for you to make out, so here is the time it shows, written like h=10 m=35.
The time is h=11 m=37
